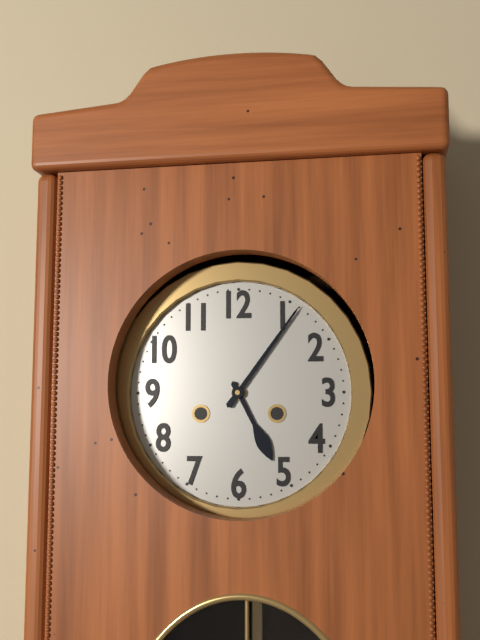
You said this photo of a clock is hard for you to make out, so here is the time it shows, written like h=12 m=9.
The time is h=5 m=6
